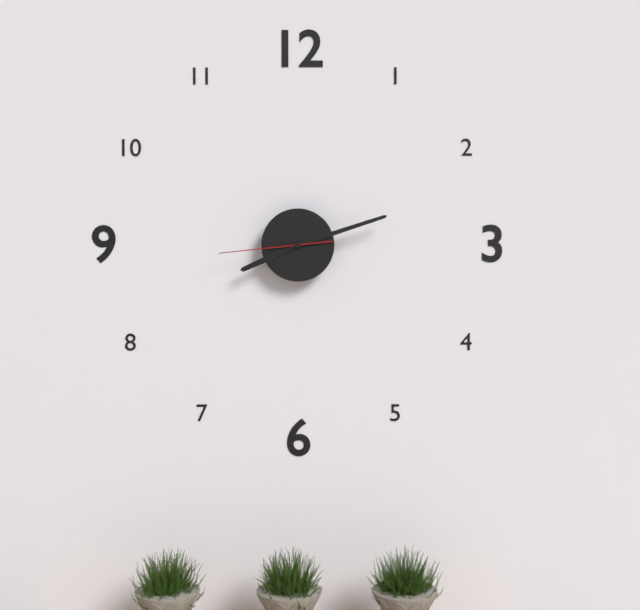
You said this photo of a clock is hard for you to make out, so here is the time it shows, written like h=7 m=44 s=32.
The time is h=8 m=12 s=44
